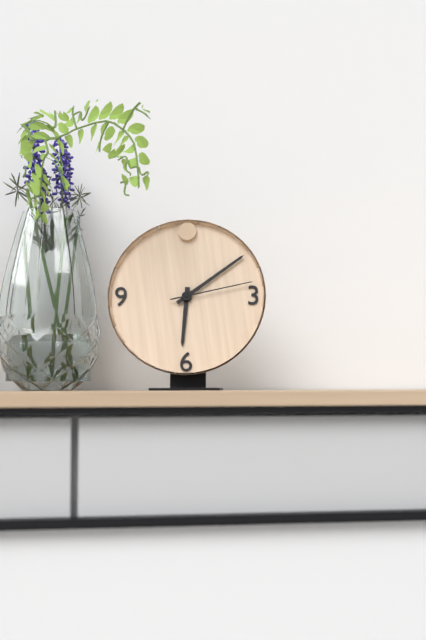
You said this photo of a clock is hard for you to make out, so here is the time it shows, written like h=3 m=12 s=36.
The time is h=6 m=9 s=13
